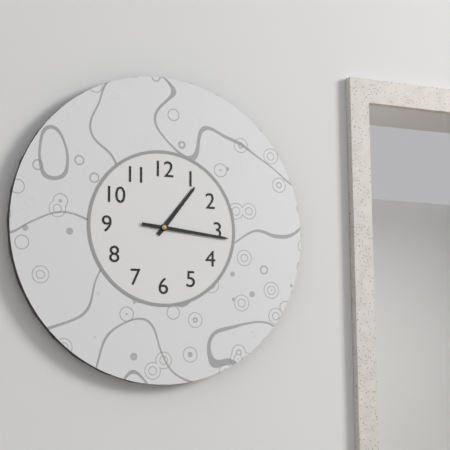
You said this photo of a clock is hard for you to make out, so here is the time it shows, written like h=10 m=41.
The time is h=1 m=16
